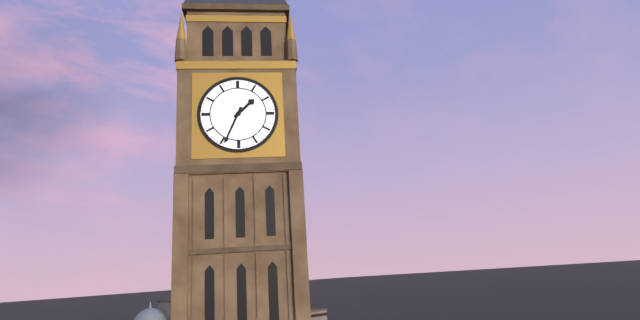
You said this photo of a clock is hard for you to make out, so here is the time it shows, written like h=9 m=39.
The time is h=1 m=34
